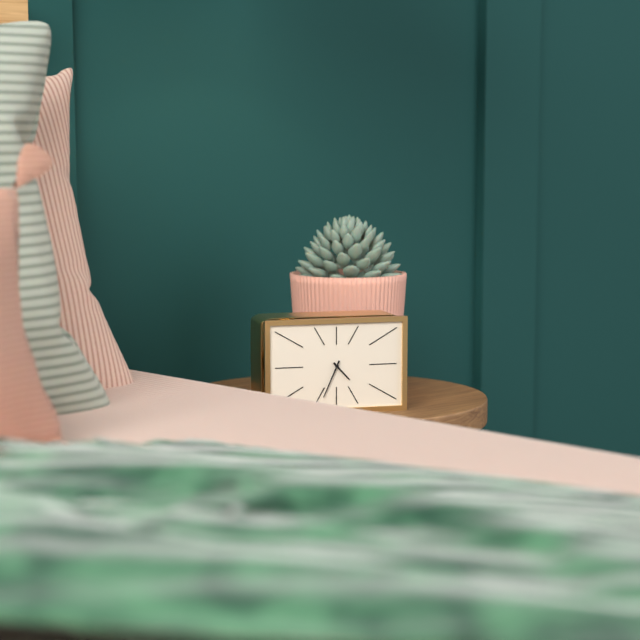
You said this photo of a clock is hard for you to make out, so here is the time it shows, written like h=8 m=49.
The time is h=4 m=34
